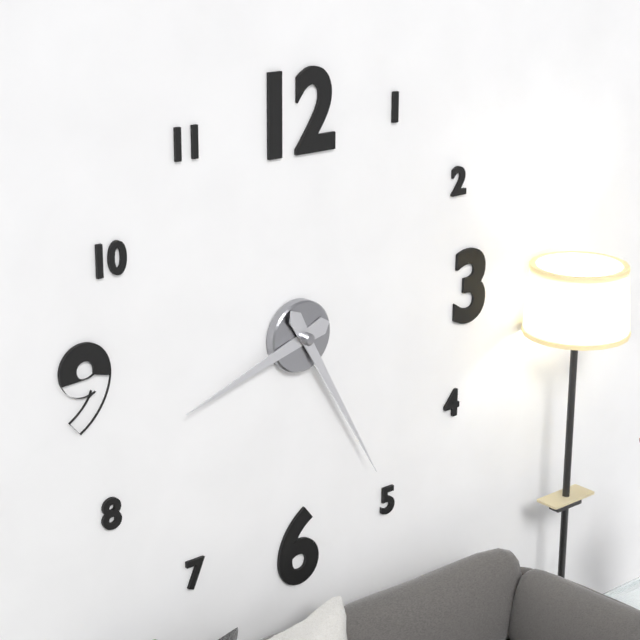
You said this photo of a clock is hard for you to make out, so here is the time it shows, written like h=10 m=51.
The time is h=8 m=25
